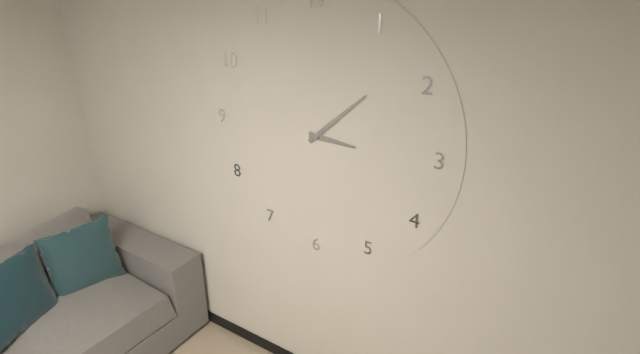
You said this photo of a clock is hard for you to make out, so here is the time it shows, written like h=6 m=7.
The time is h=3 m=8
